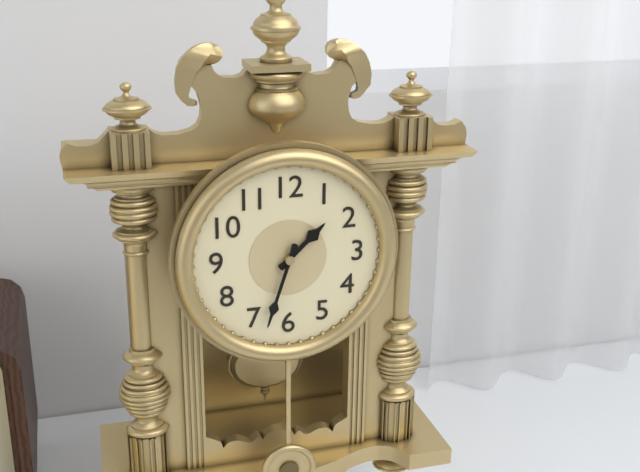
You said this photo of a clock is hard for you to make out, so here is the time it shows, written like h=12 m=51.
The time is h=1 m=33
